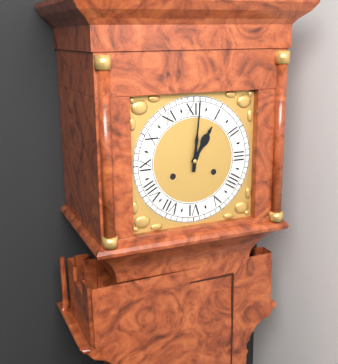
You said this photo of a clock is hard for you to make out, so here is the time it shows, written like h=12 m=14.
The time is h=1 m=1
